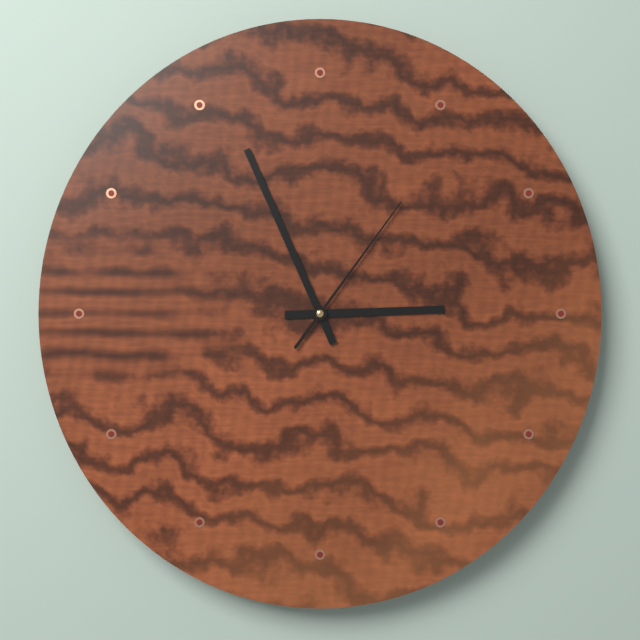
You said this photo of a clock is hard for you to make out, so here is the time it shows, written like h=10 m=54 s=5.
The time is h=2 m=56 s=6
